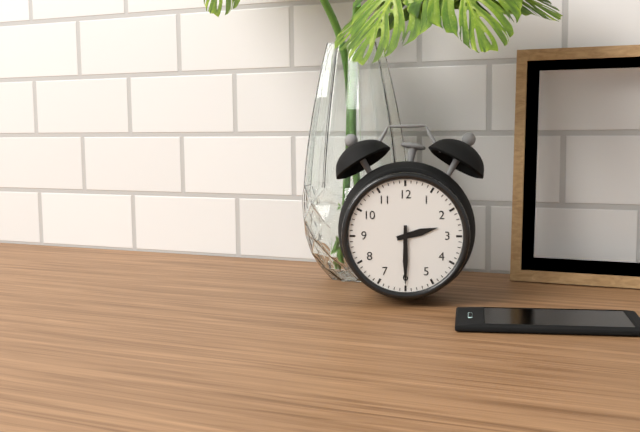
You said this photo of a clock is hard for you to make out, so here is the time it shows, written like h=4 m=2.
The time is h=2 m=30
